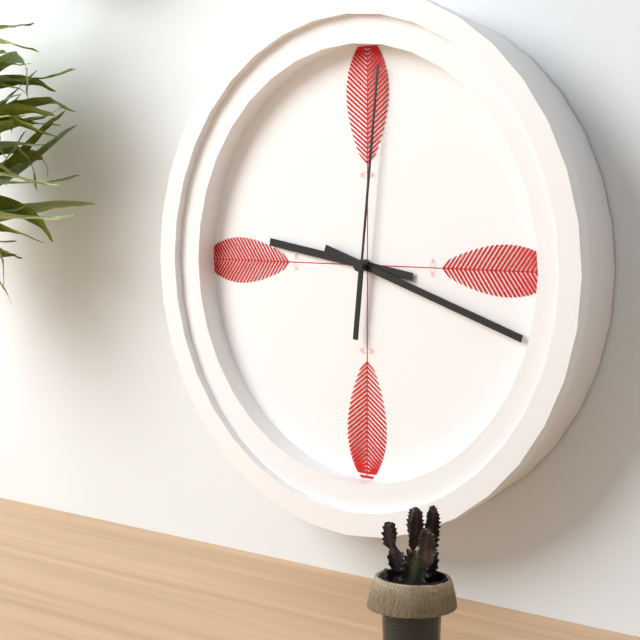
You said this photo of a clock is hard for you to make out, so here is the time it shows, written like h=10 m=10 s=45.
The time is h=9 m=18 s=1
